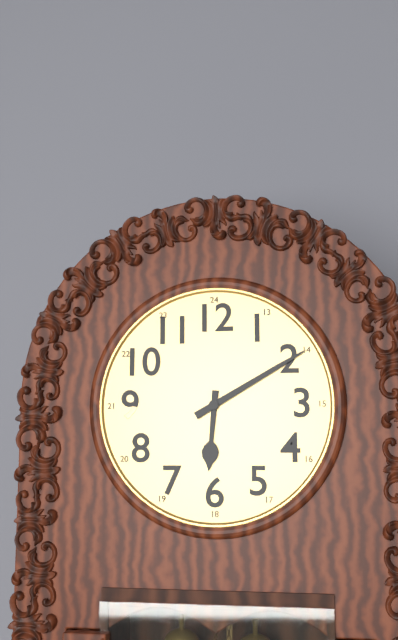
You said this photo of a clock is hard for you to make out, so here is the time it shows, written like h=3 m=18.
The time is h=6 m=10
